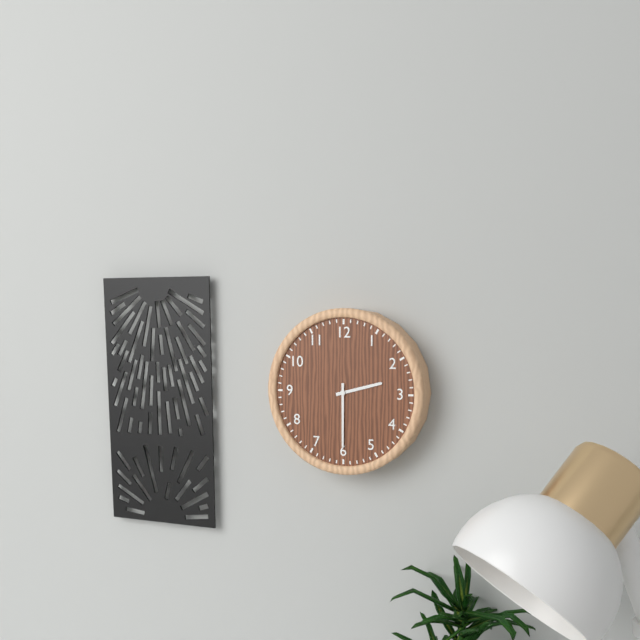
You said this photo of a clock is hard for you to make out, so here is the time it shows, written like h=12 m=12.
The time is h=2 m=30
